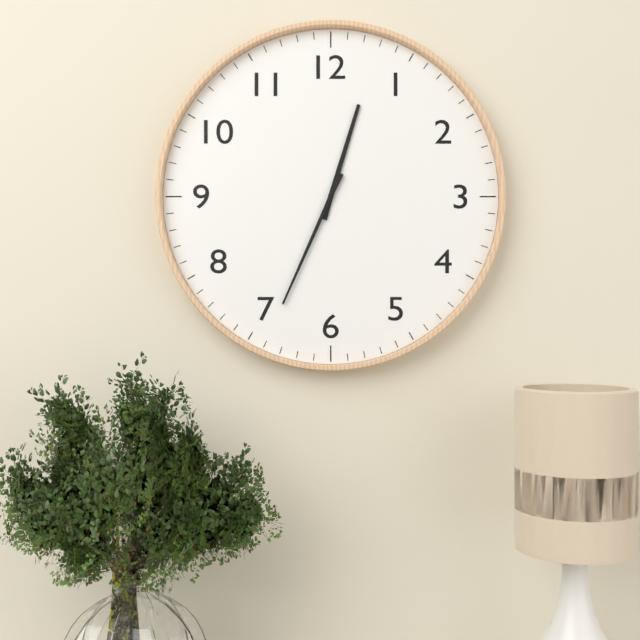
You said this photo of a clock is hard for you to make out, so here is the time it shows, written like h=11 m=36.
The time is h=12 m=34
